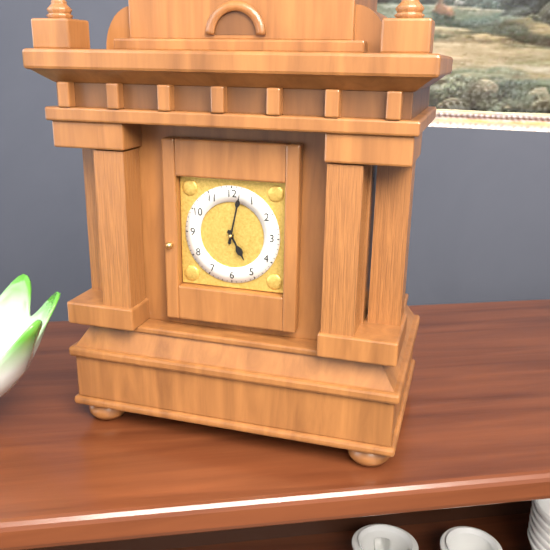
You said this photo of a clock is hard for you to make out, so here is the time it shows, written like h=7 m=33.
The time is h=5 m=2
